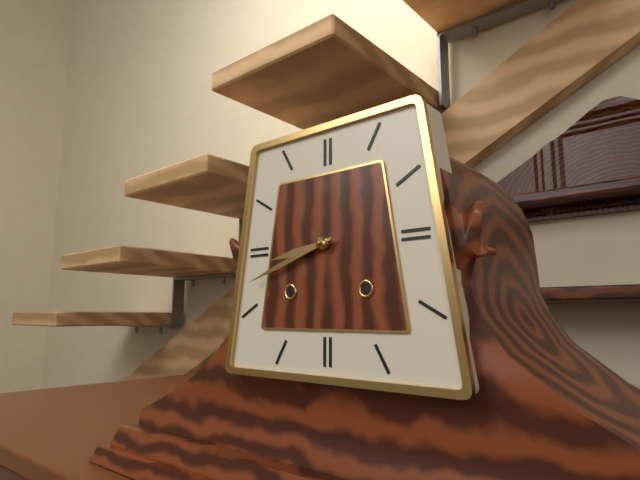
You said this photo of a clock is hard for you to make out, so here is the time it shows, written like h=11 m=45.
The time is h=8 m=42
